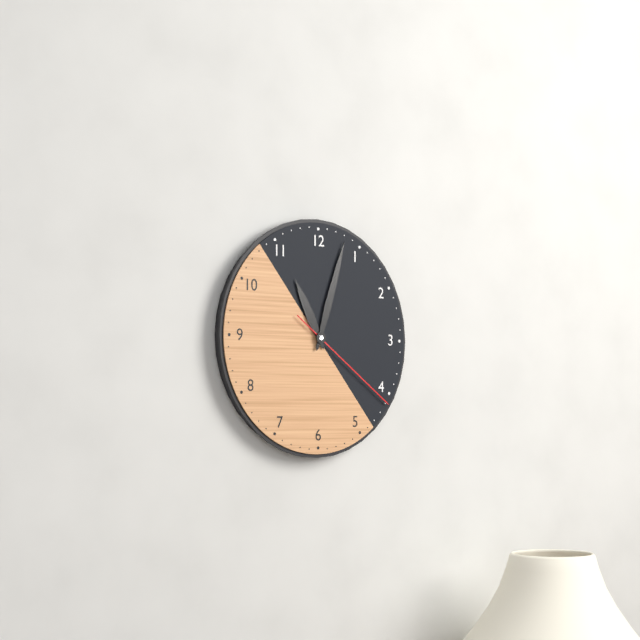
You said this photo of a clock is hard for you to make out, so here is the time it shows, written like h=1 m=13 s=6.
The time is h=11 m=3 s=21
